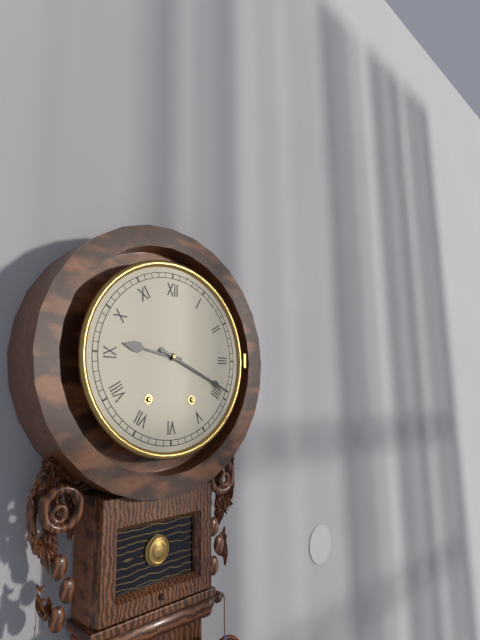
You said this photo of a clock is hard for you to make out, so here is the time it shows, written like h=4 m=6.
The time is h=9 m=19
